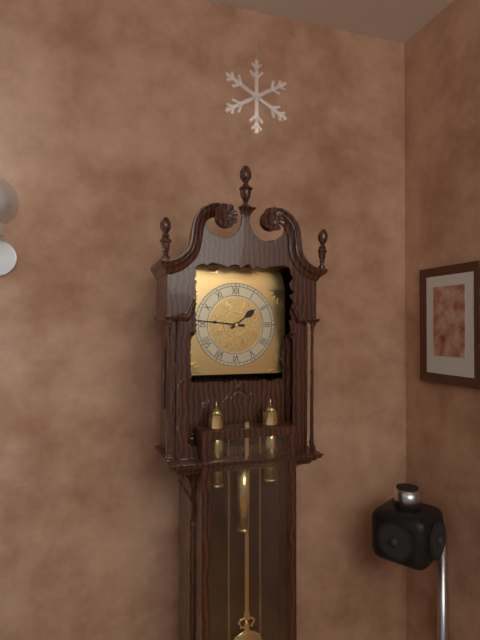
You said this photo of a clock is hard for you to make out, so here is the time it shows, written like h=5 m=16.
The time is h=1 m=46
